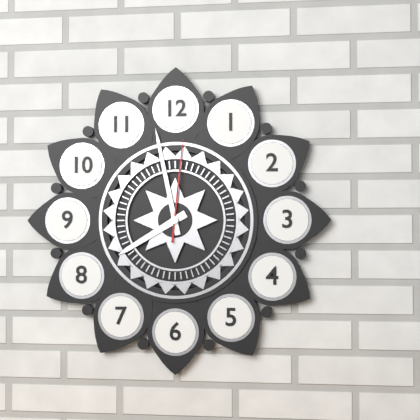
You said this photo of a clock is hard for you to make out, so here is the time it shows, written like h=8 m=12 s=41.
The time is h=7 m=58 s=1
